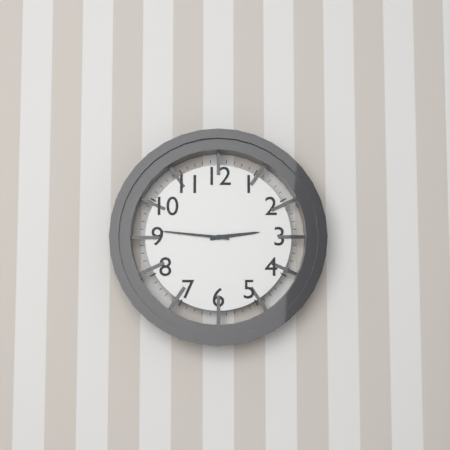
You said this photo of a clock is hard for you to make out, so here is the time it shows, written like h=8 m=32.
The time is h=2 m=46
